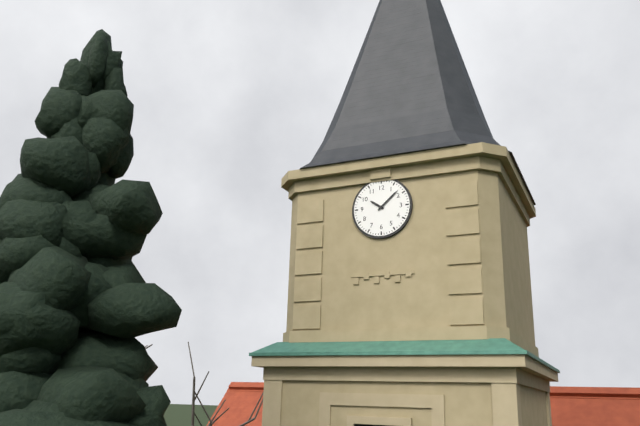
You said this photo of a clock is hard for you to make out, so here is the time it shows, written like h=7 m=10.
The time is h=10 m=8
